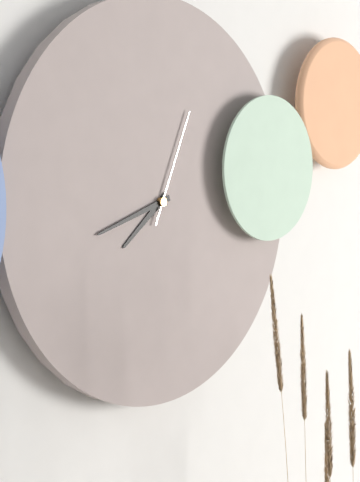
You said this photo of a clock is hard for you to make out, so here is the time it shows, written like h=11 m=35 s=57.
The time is h=7 m=42 s=4
